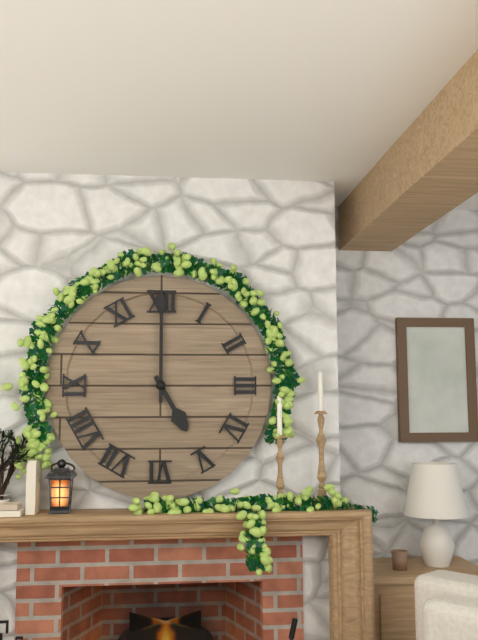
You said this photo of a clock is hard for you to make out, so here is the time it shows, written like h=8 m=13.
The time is h=5 m=0
